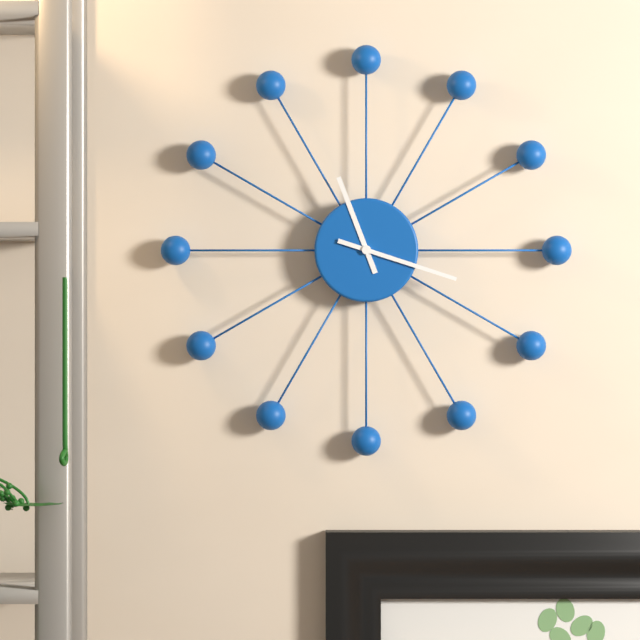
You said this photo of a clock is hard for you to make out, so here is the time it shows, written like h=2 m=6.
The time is h=11 m=18
